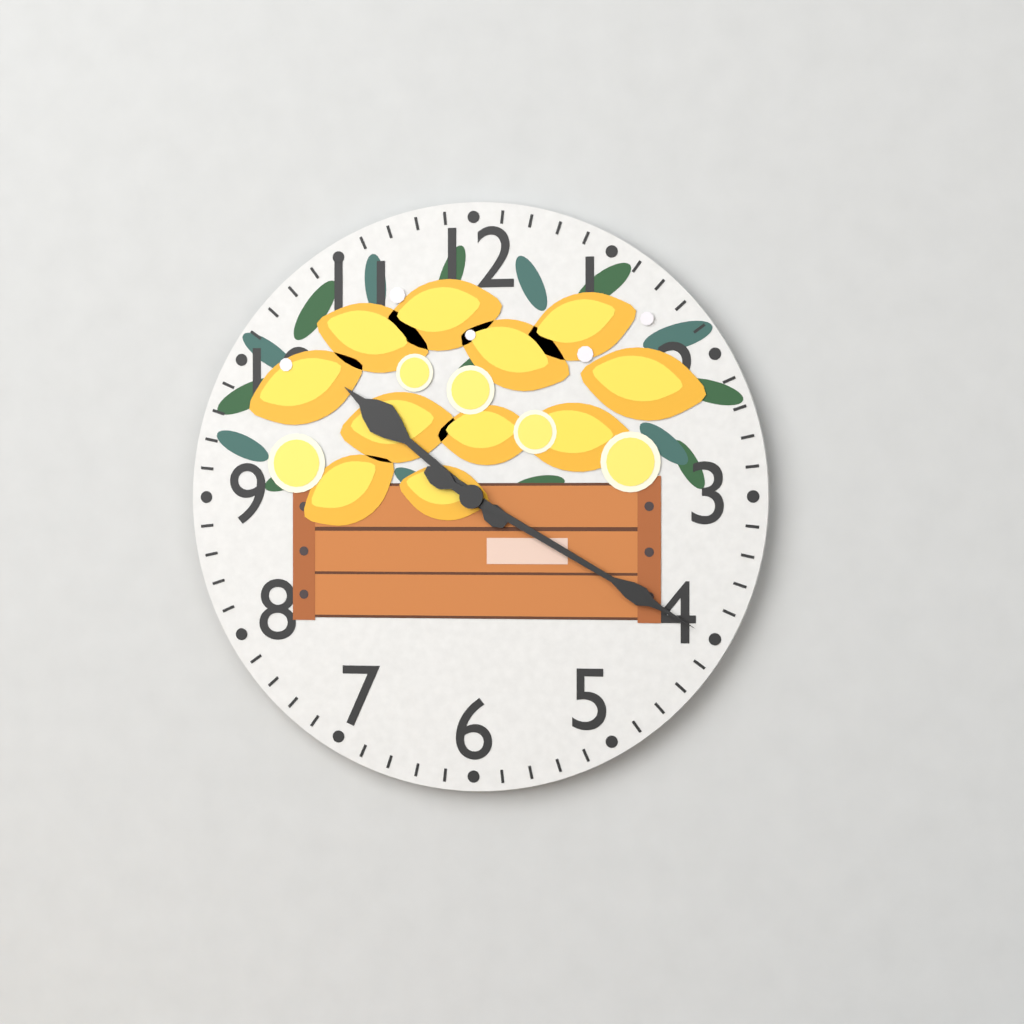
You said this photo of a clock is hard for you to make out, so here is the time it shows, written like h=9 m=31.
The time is h=10 m=20
